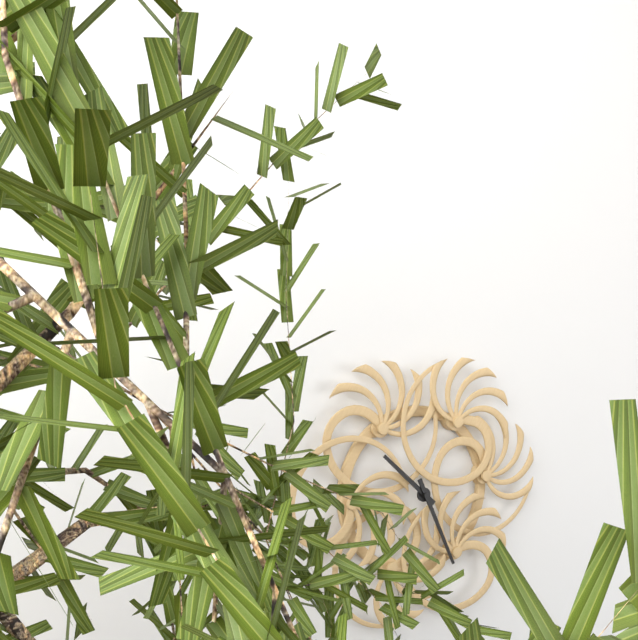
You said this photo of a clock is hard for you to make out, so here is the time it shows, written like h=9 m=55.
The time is h=10 m=26
